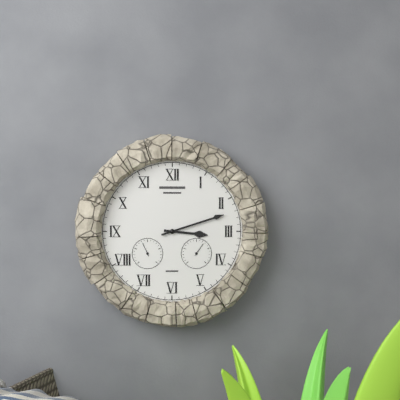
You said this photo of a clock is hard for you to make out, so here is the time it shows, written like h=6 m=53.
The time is h=3 m=12
